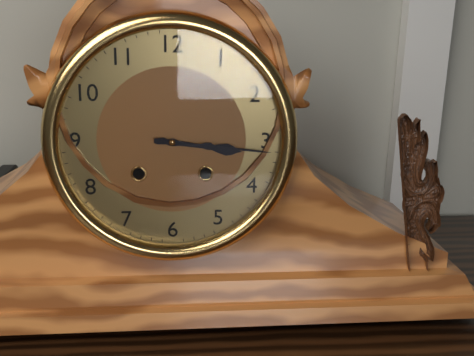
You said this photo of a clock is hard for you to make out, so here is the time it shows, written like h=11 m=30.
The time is h=3 m=16
